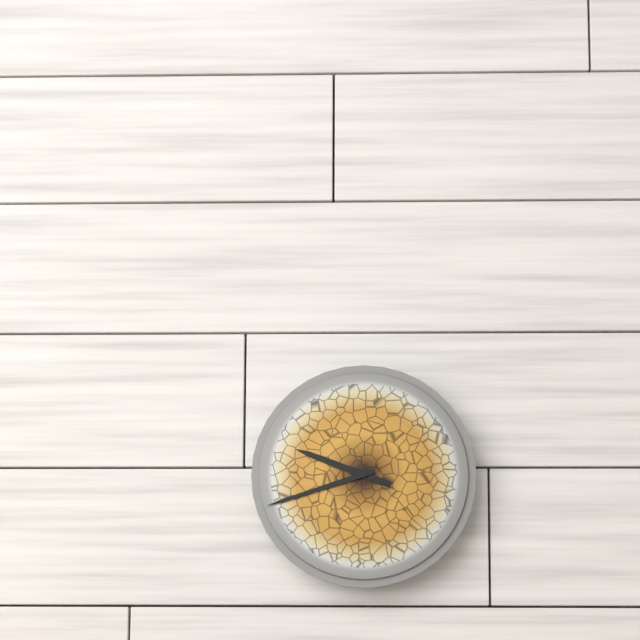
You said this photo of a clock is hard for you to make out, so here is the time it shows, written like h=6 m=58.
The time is h=9 m=42
